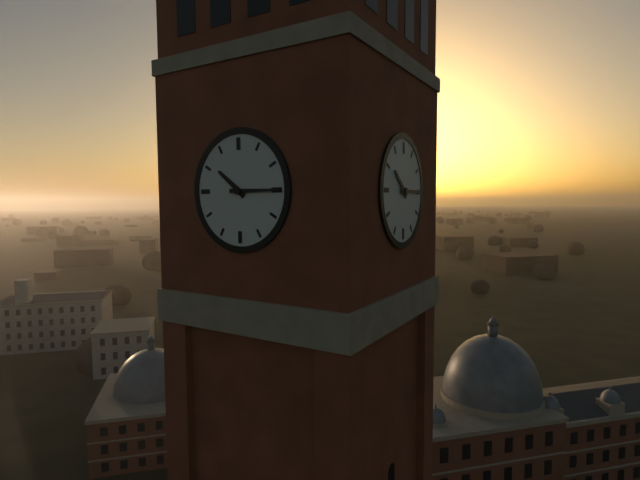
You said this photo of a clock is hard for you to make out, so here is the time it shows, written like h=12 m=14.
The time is h=10 m=15
